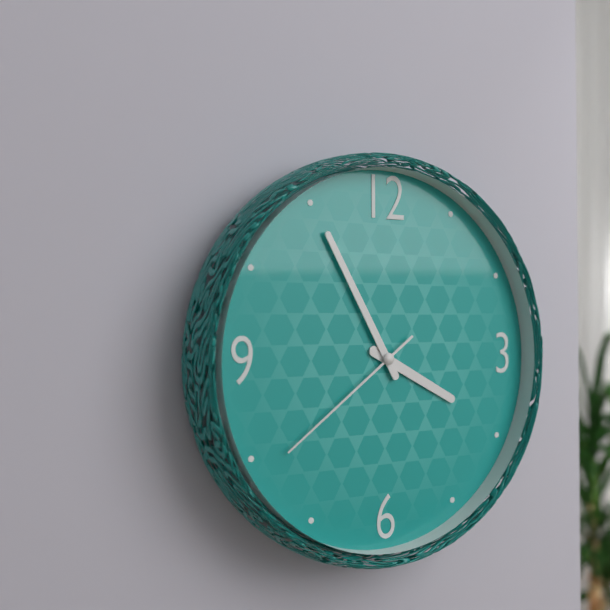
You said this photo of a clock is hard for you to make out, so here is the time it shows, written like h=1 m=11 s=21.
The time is h=3 m=55 s=39
